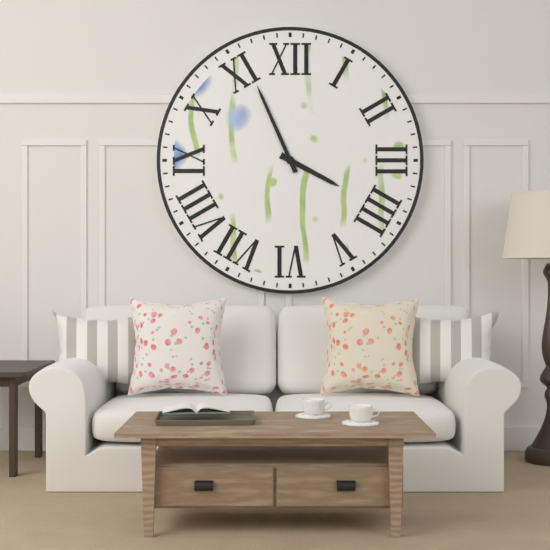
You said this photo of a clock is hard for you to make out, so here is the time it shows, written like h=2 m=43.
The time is h=3 m=56
